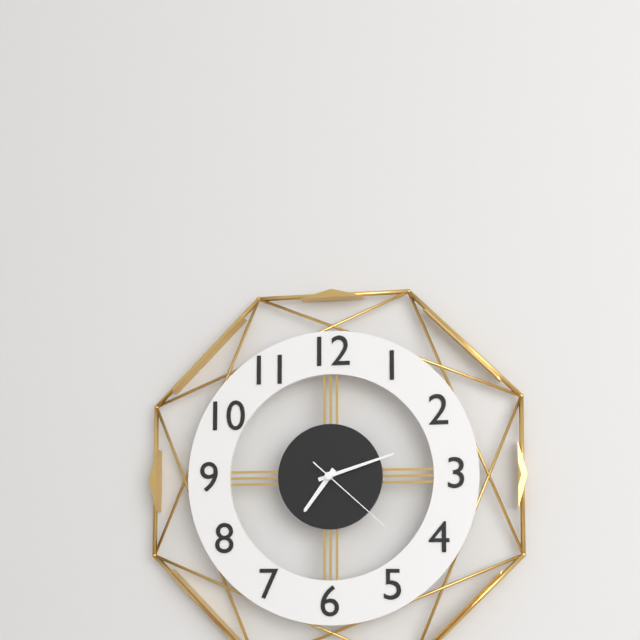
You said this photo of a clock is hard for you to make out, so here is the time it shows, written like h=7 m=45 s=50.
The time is h=7 m=12 s=22
